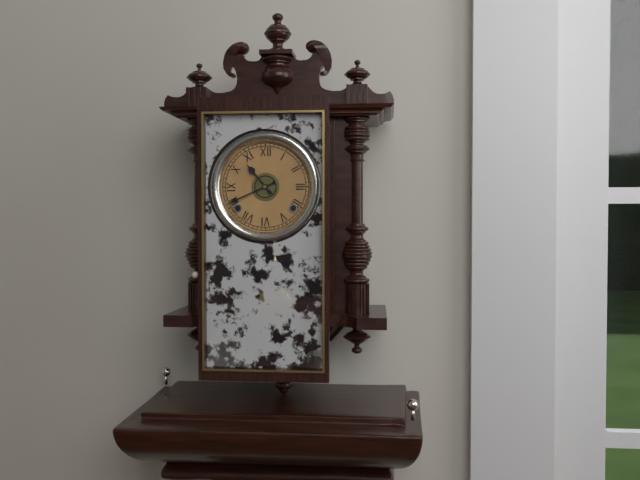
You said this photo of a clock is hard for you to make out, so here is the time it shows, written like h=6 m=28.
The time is h=10 m=41
